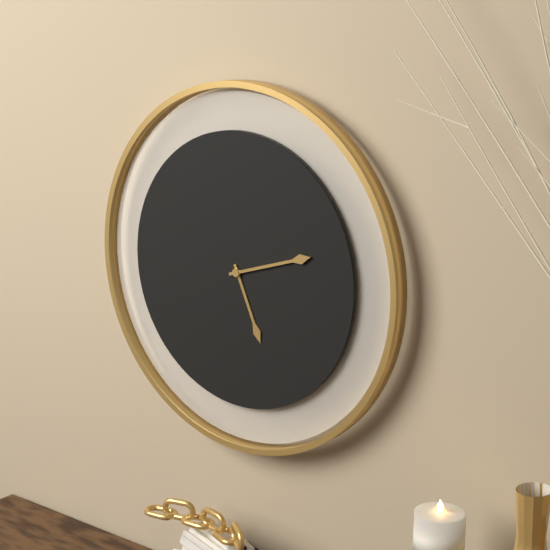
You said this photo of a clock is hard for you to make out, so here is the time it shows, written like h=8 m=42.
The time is h=5 m=12
